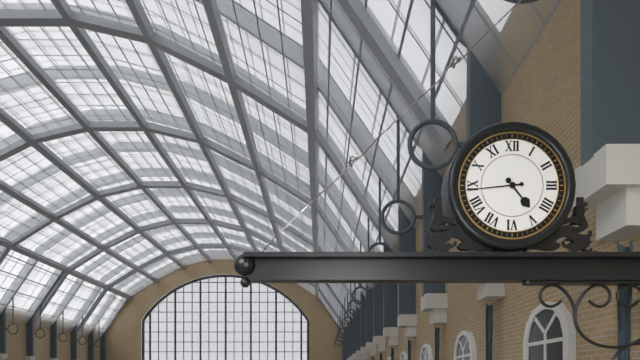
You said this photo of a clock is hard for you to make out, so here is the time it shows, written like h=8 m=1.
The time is h=4 m=44
